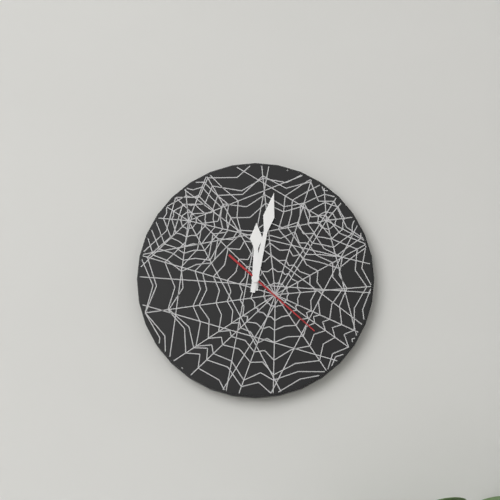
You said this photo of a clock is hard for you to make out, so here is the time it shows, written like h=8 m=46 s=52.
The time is h=12 m=2 s=22
